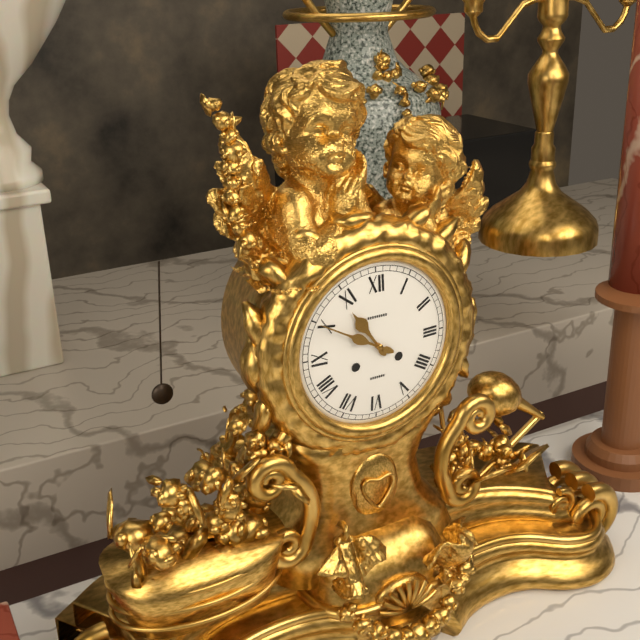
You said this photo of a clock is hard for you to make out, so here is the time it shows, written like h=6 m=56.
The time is h=10 m=50
